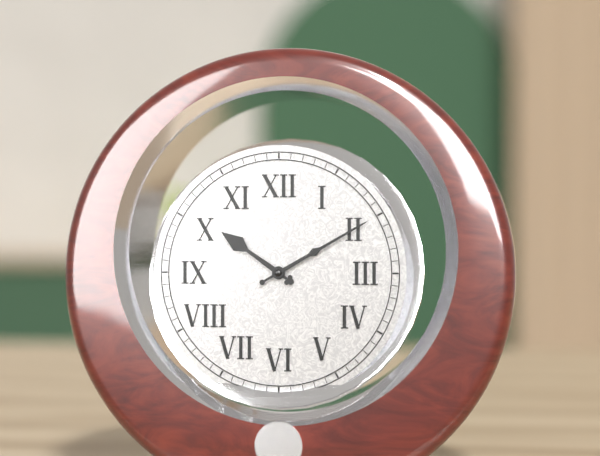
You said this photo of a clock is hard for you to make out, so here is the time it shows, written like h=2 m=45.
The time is h=10 m=10
